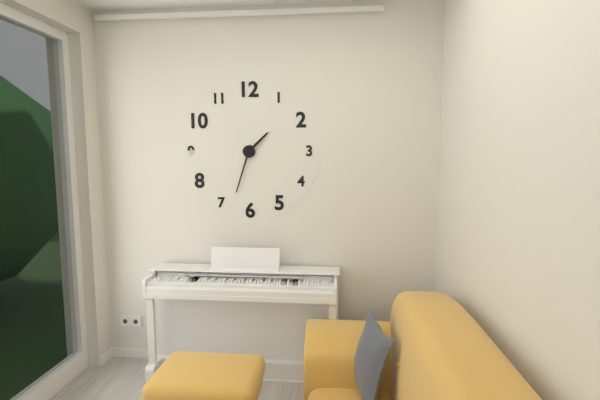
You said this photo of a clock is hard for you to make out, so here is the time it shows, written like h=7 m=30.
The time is h=1 m=33
